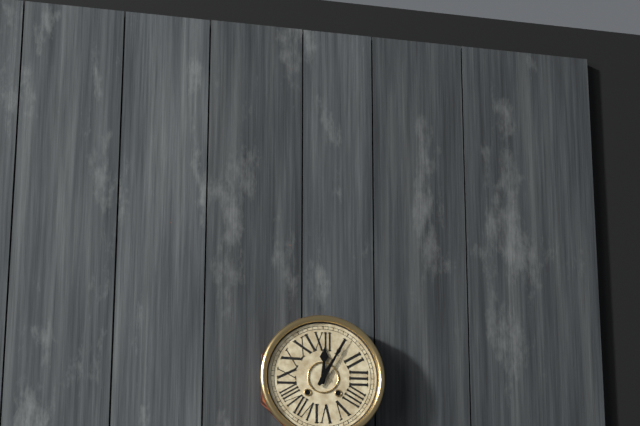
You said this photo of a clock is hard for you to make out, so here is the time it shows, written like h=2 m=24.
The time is h=12 m=5
